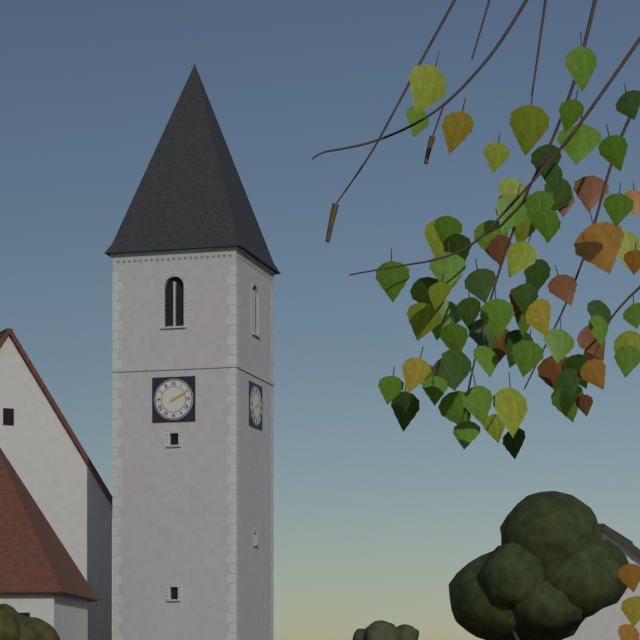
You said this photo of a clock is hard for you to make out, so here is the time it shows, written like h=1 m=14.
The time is h=2 m=10
